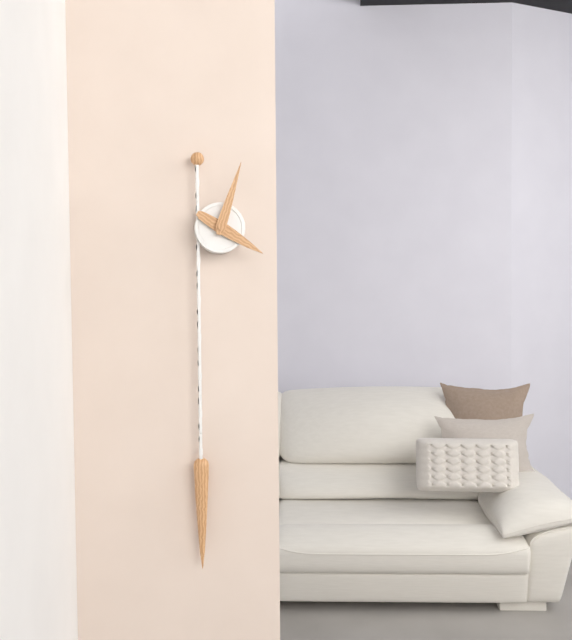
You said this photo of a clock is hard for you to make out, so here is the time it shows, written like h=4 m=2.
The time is h=4 m=3
